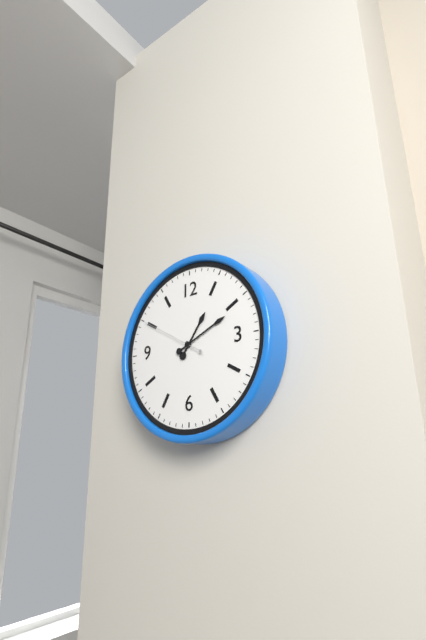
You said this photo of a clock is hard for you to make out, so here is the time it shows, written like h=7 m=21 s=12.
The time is h=1 m=11 s=50
